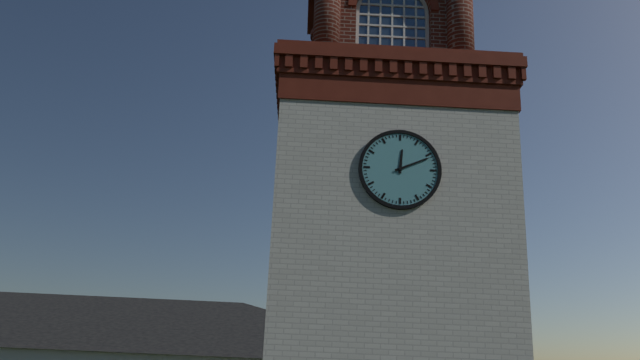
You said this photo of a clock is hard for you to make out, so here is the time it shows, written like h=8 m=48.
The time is h=12 m=11
